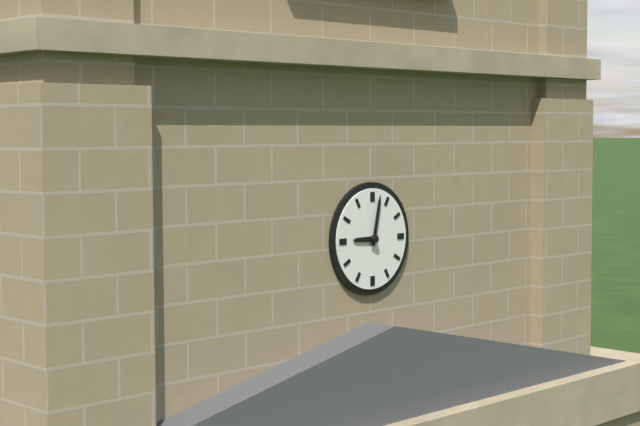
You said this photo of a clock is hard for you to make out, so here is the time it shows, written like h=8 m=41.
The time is h=9 m=2
